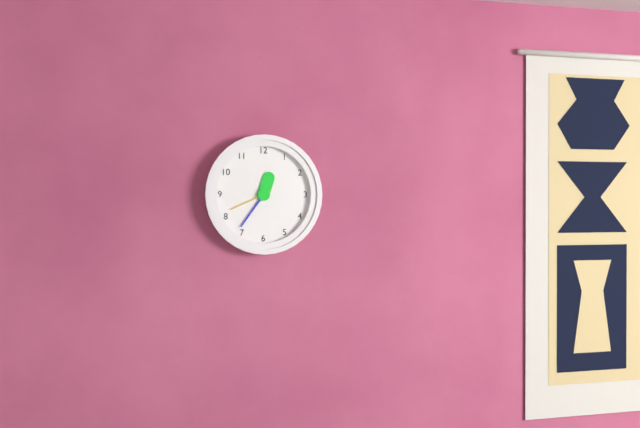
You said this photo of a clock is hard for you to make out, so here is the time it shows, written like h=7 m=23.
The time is h=12 m=36
